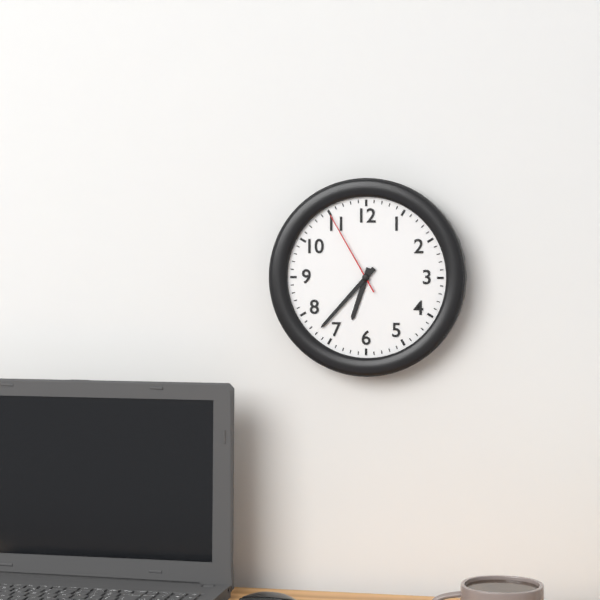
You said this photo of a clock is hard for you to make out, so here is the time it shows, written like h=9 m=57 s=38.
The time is h=6 m=37 s=55
